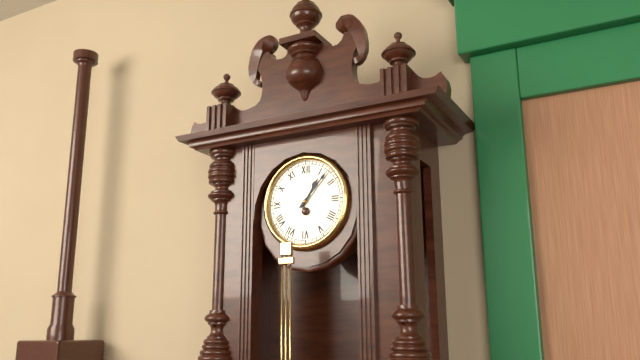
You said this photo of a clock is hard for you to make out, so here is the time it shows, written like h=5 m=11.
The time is h=1 m=7
